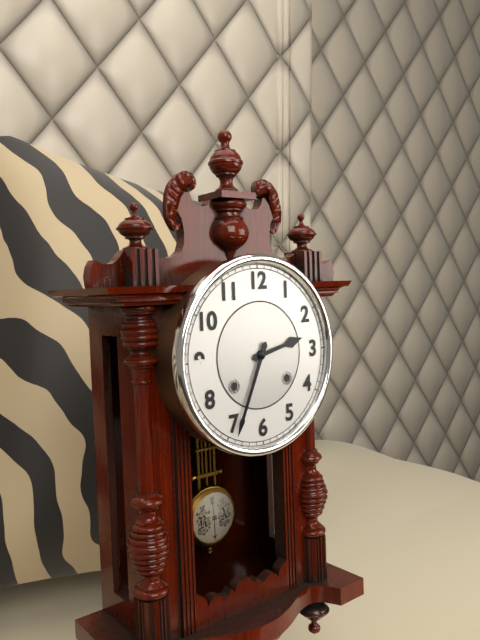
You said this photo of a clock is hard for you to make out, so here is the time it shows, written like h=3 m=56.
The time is h=2 m=34
